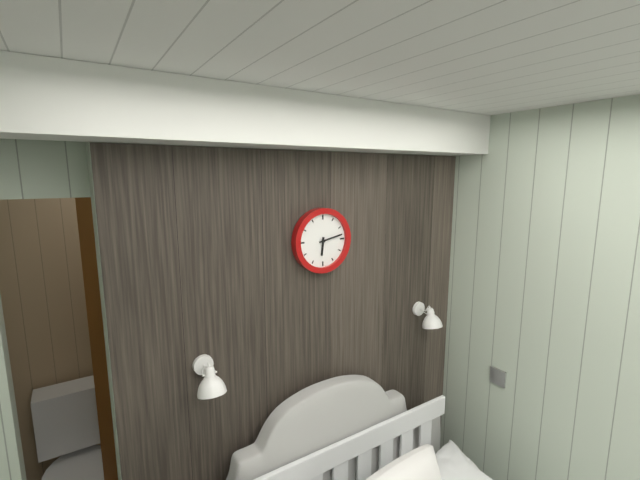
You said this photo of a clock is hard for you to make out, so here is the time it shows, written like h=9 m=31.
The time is h=6 m=13
